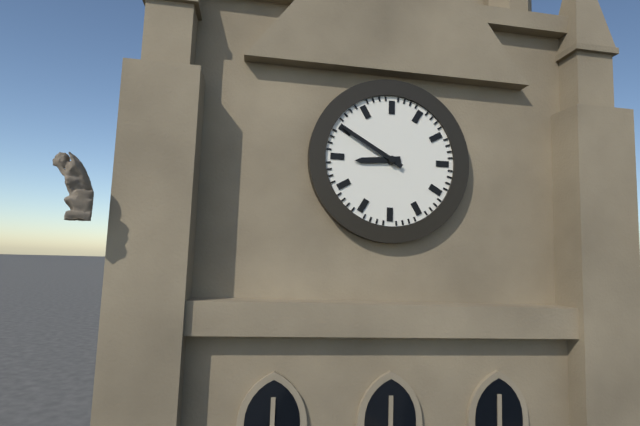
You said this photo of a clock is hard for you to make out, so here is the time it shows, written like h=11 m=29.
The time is h=8 m=50
